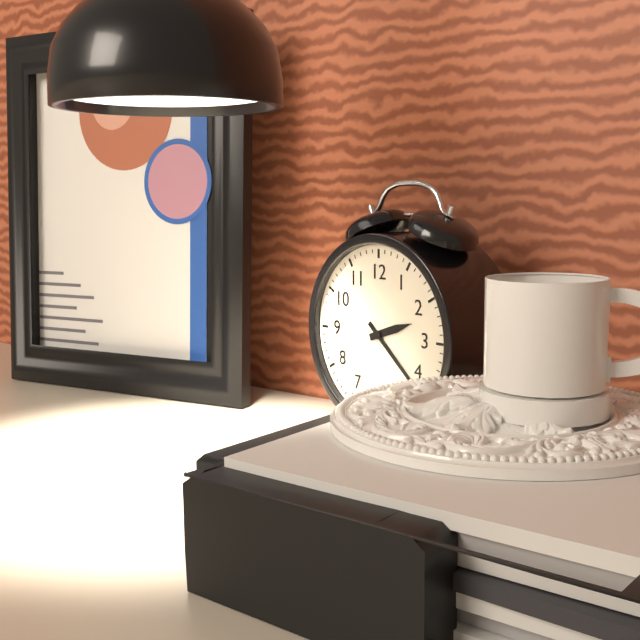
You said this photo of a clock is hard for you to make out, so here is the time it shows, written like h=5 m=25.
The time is h=2 m=22
